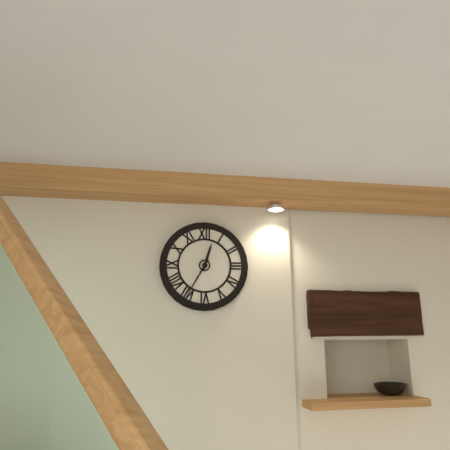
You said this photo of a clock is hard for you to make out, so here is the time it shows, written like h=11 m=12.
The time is h=12 m=35
